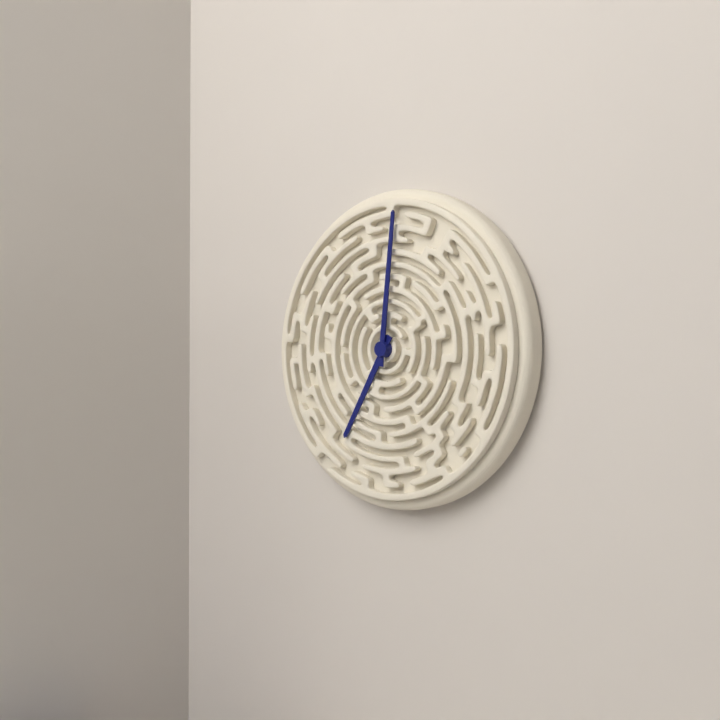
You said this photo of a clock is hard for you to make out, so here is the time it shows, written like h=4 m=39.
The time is h=7 m=1
